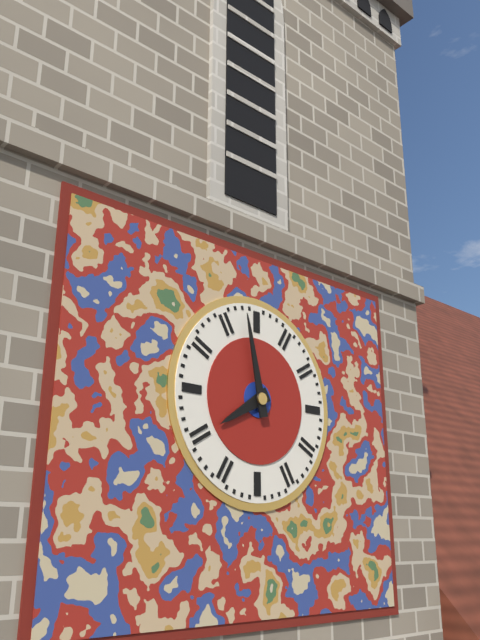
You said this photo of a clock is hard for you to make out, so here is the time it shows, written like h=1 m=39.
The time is h=7 m=58
